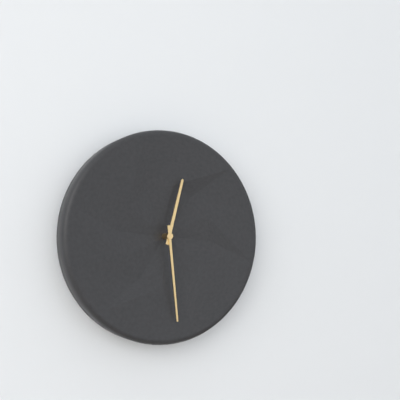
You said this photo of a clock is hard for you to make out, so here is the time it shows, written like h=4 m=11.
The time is h=12 m=29
